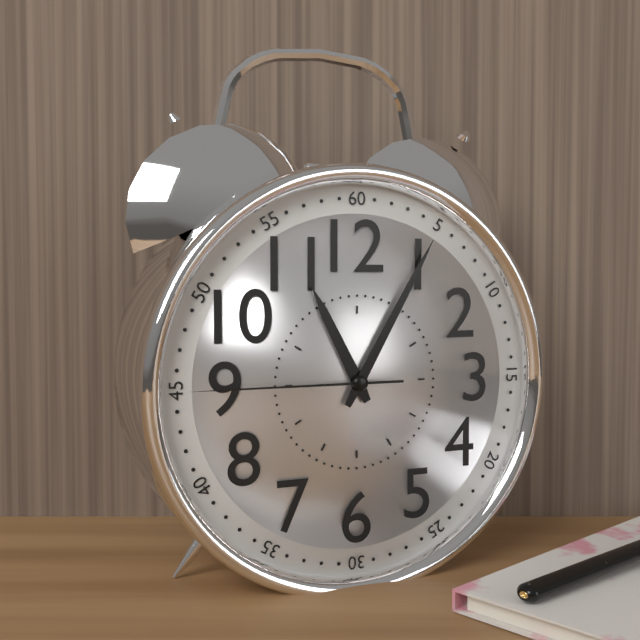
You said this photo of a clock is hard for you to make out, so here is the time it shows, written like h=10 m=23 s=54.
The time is h=11 m=5 s=45
